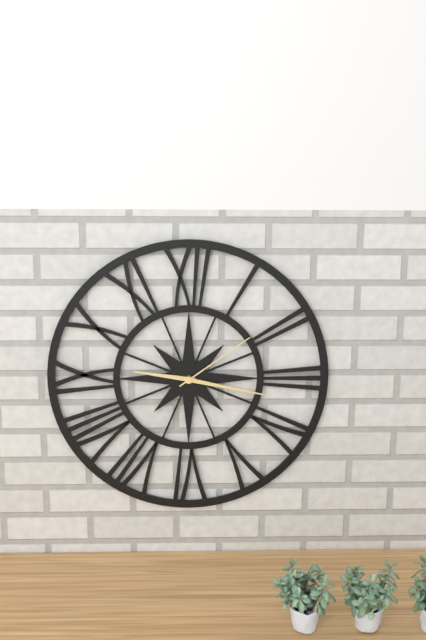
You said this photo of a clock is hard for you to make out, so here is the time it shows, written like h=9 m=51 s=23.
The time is h=9 m=17 s=9
